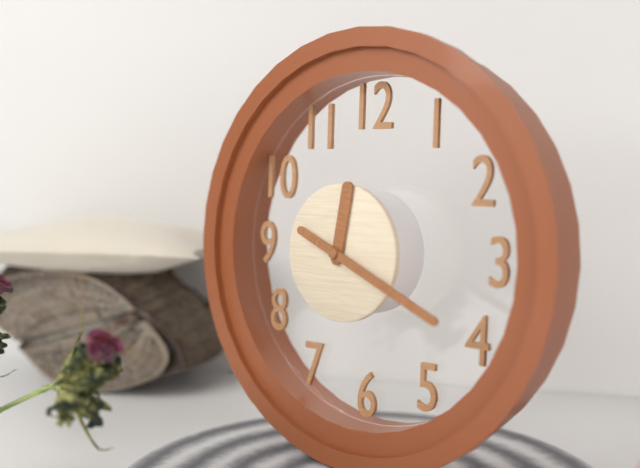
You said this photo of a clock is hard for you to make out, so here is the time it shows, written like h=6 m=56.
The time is h=12 m=19
